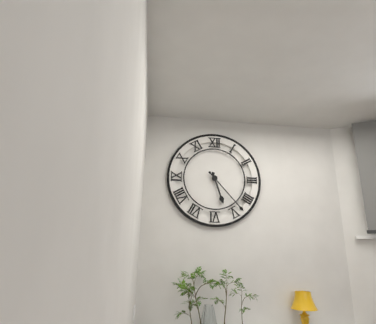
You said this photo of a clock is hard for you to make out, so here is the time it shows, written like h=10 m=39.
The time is h=5 m=23
